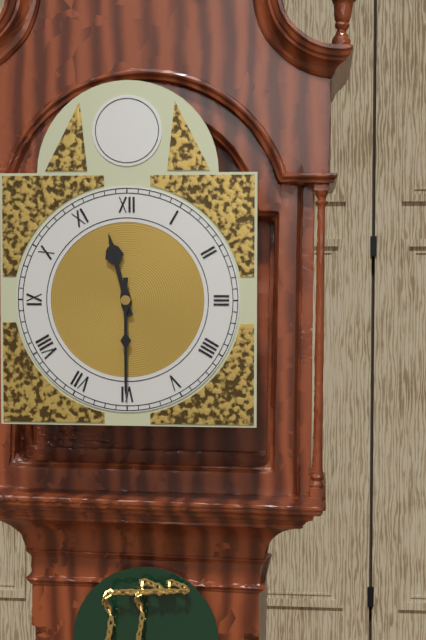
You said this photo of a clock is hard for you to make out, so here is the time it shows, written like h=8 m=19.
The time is h=11 m=30
